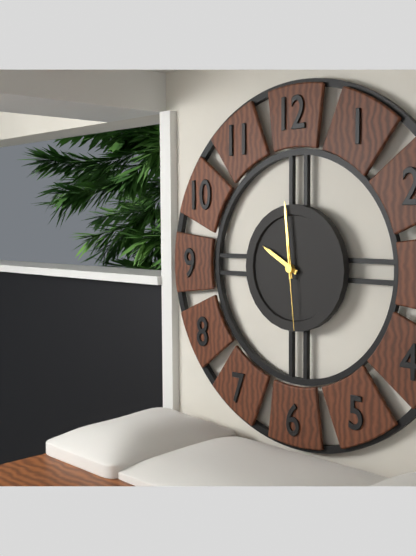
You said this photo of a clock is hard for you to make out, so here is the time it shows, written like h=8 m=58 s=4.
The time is h=9 m=59 s=29
